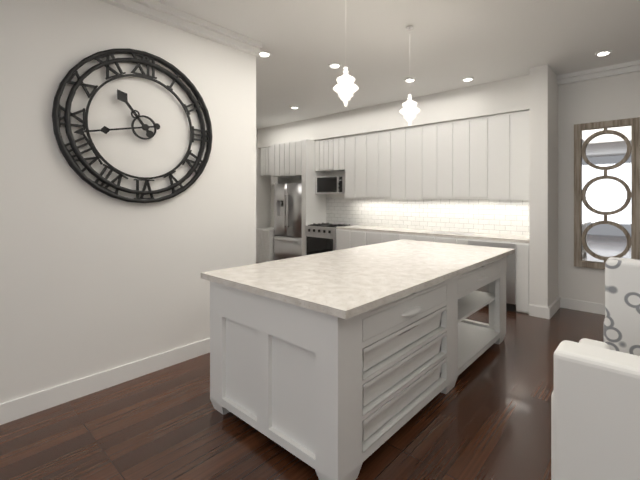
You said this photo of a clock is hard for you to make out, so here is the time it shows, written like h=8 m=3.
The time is h=10 m=43
